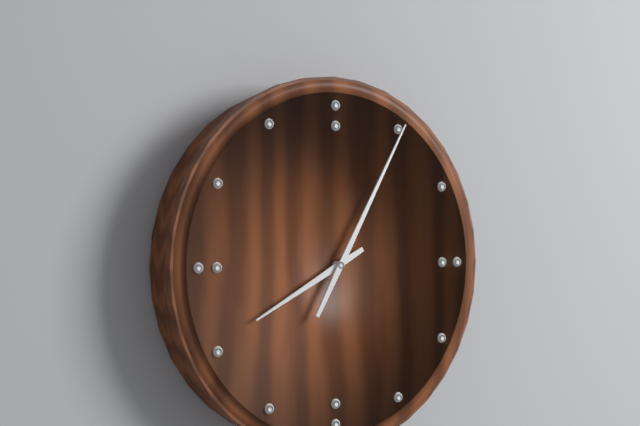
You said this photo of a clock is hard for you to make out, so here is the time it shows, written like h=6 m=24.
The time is h=8 m=5
